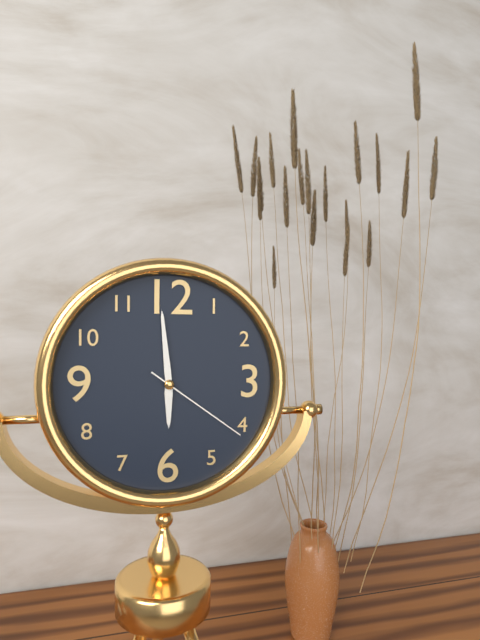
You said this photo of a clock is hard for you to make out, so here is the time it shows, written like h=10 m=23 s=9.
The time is h=5 m=59 s=21
